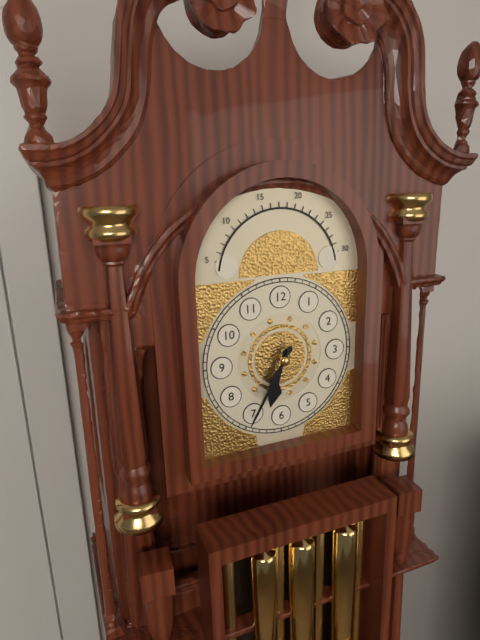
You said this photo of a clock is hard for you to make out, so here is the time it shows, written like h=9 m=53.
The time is h=6 m=35
